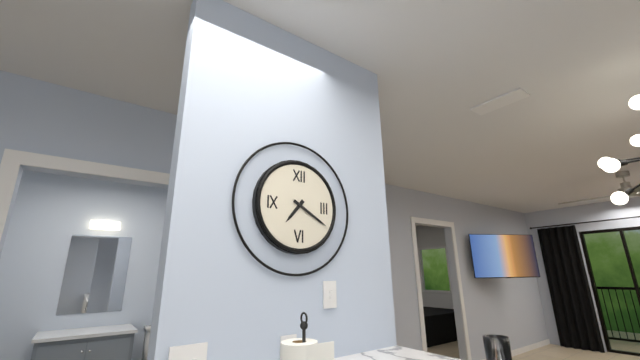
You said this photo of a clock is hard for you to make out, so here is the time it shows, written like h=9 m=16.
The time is h=7 m=20
